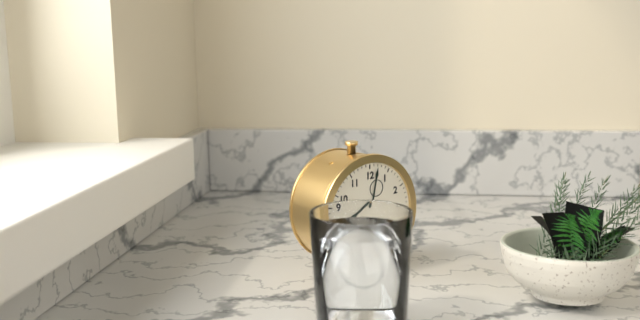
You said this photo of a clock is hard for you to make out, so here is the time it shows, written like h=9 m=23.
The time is h=8 m=2
